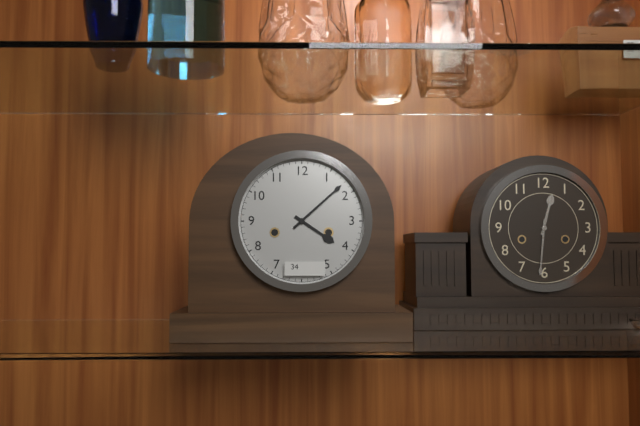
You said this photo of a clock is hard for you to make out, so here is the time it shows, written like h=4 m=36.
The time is h=4 m=8
